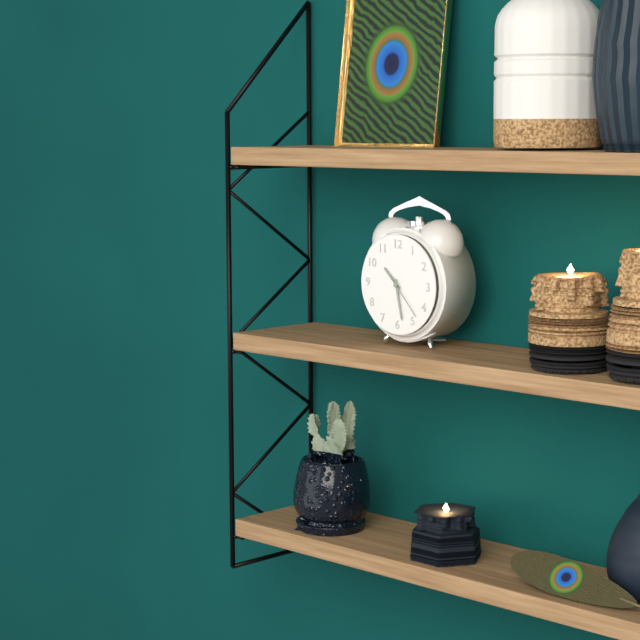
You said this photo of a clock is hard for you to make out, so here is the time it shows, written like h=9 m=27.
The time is h=10 m=28
